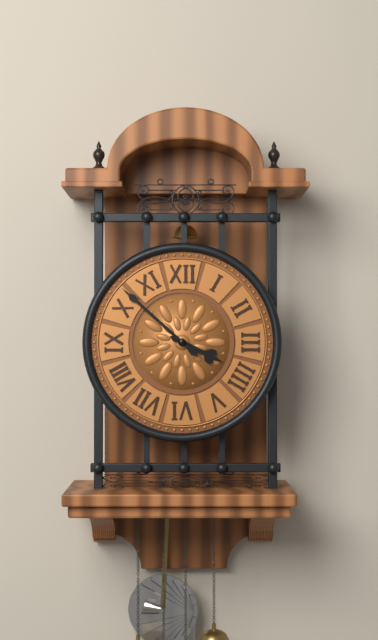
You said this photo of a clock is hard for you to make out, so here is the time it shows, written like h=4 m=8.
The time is h=3 m=52
